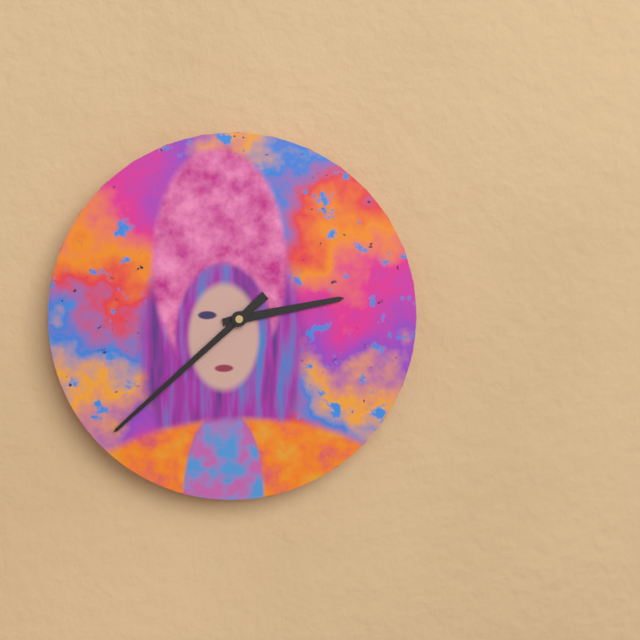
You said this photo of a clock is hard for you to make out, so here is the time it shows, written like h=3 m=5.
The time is h=2 m=38
